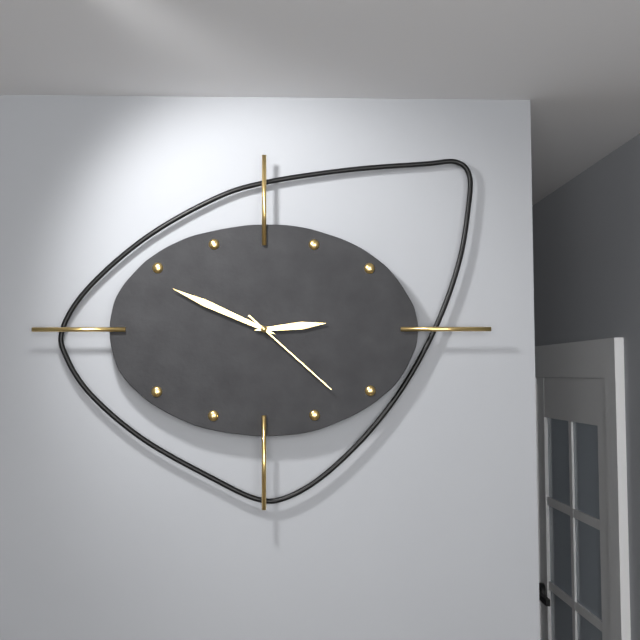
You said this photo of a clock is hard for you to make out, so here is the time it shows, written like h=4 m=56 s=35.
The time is h=2 m=49 s=22
